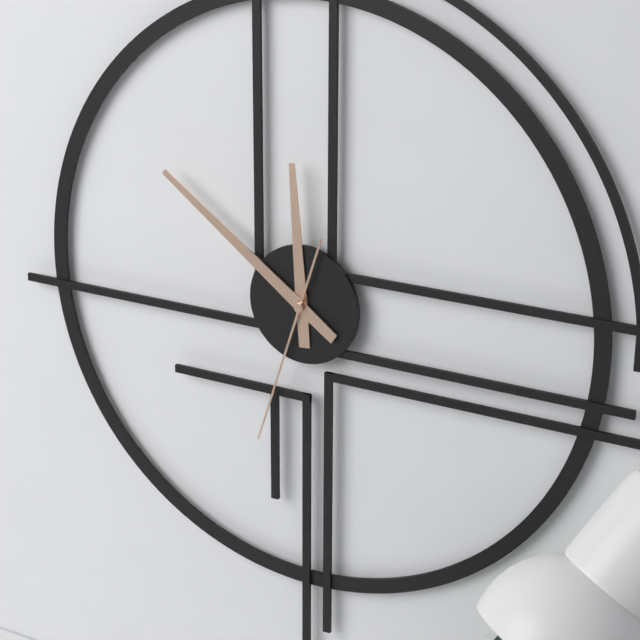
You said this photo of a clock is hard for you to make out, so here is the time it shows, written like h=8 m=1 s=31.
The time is h=11 m=51 s=33
